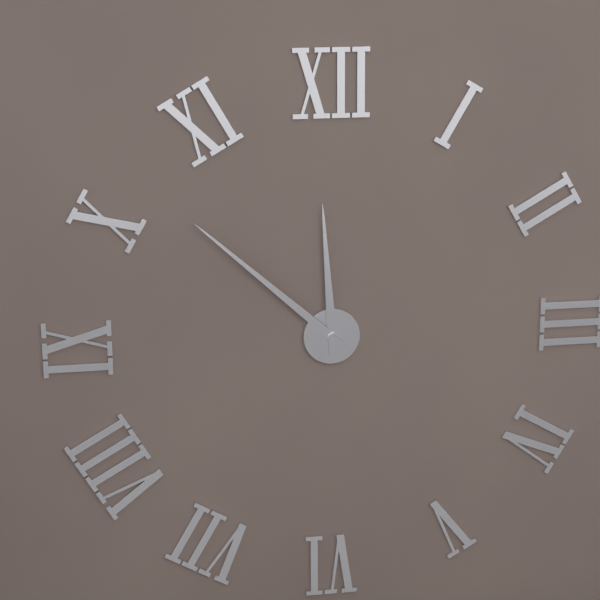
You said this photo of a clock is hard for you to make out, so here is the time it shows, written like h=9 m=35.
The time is h=11 m=52
